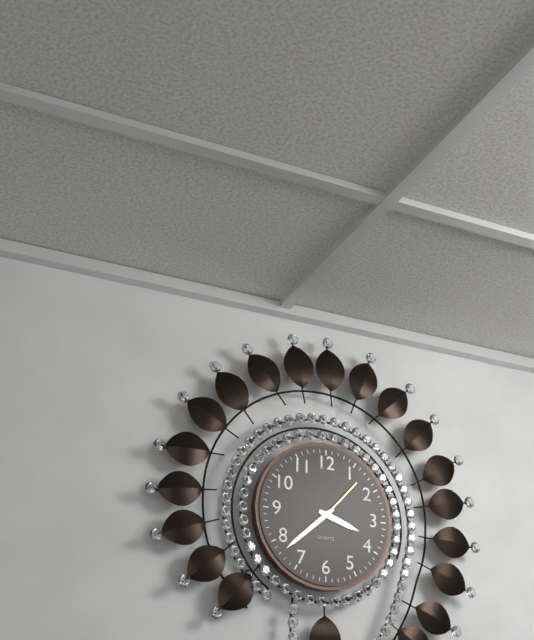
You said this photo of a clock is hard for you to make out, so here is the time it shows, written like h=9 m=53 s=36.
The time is h=3 m=38 s=7
